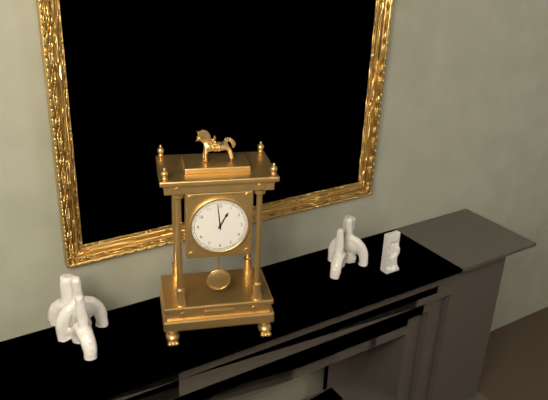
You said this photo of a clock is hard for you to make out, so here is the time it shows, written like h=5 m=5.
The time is h=12 m=59
